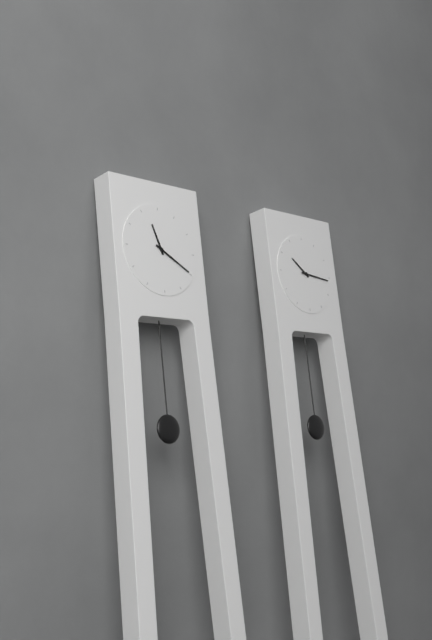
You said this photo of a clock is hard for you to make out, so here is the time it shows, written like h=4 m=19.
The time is h=11 m=20
